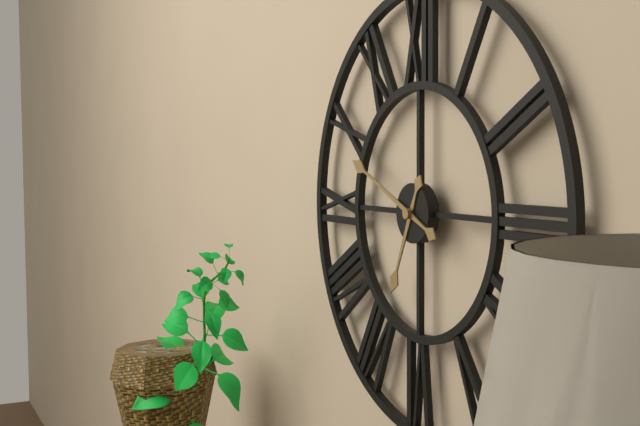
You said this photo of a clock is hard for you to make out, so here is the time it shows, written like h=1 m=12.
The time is h=6 m=49
